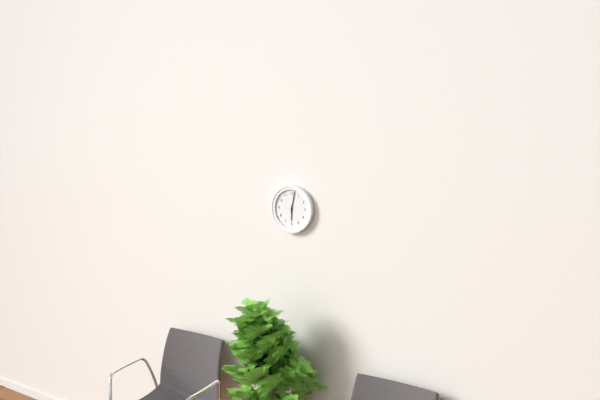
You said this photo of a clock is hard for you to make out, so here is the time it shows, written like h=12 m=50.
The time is h=6 m=2
